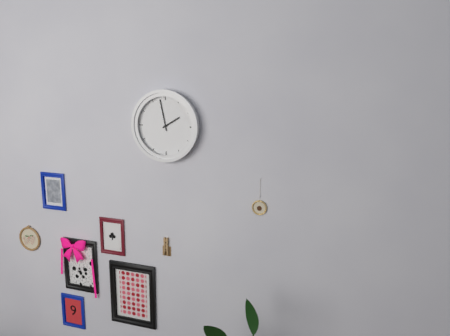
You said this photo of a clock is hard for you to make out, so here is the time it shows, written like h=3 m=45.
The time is h=1 m=58
